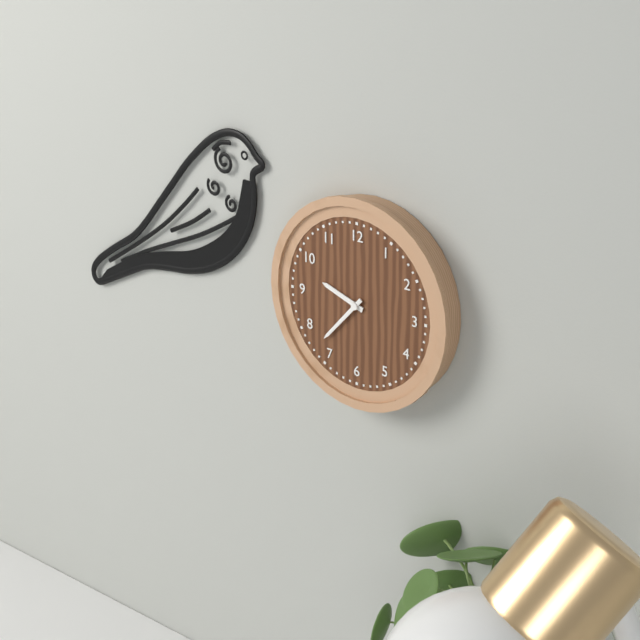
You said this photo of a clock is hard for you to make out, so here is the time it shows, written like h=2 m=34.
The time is h=9 m=37
